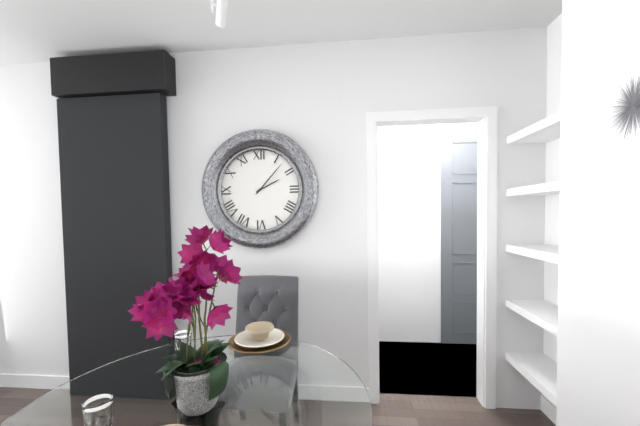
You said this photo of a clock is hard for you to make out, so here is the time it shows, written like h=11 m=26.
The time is h=2 m=7
